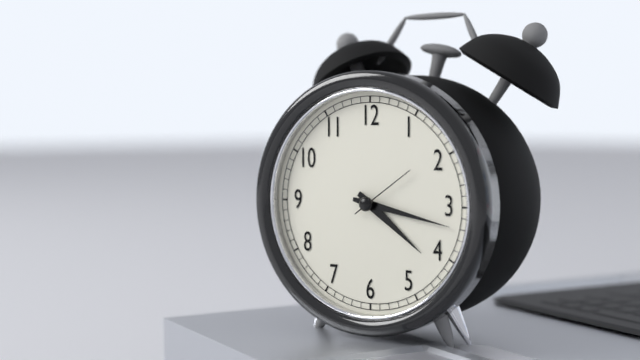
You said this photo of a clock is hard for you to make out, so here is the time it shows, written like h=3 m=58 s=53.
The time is h=4 m=17 s=9
